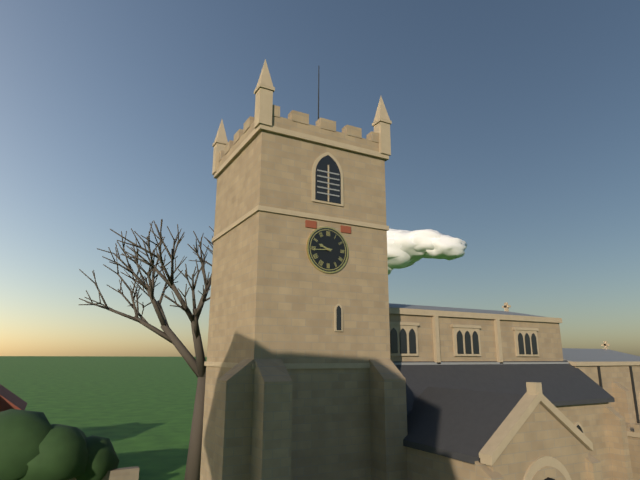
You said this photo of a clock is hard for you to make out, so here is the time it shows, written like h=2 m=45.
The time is h=9 m=44
